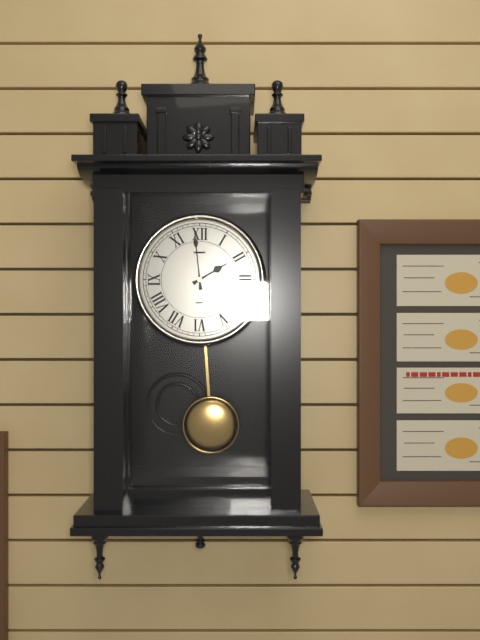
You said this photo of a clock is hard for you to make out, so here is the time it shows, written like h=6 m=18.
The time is h=1 m=59
